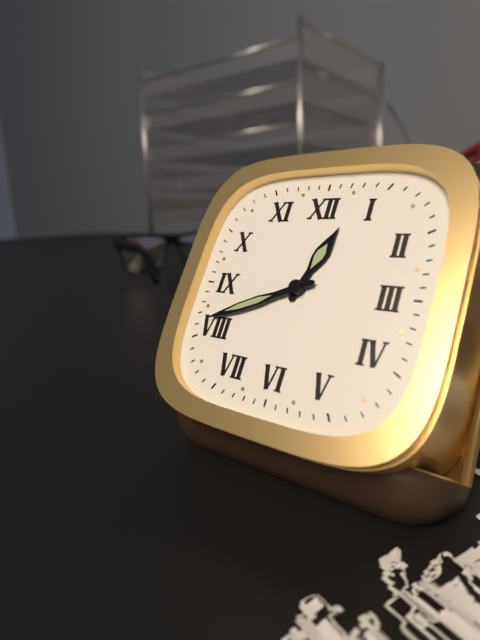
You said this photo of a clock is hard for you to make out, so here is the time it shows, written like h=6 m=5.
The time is h=12 m=41
